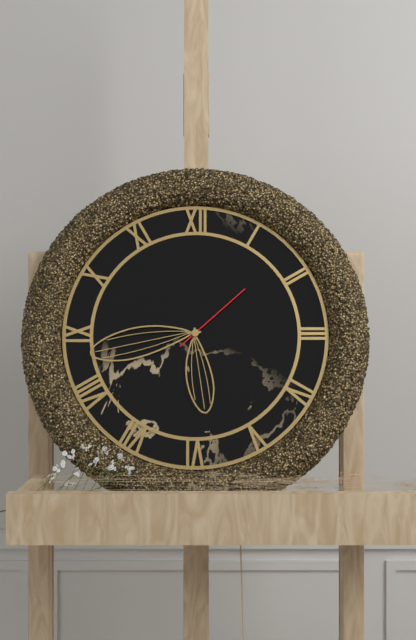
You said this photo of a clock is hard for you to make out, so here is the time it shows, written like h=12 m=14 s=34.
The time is h=5 m=43 s=8
